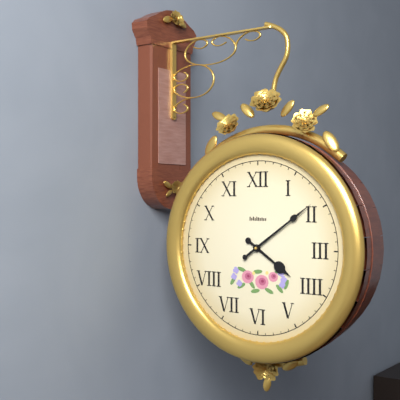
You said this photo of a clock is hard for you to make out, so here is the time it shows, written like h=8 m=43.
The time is h=4 m=9
